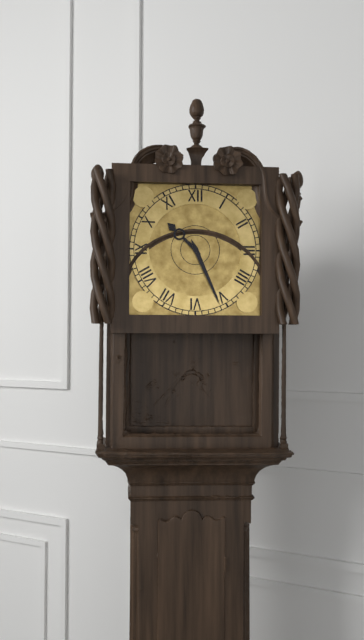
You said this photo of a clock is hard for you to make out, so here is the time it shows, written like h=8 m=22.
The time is h=10 m=26
